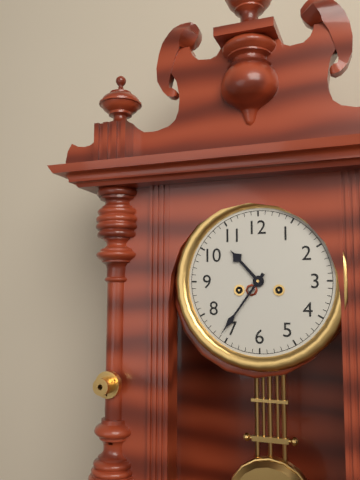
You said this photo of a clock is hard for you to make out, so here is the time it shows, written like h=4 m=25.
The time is h=10 m=36
